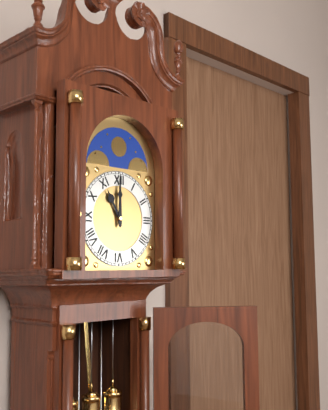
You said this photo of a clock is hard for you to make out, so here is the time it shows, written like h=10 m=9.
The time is h=11 m=0
